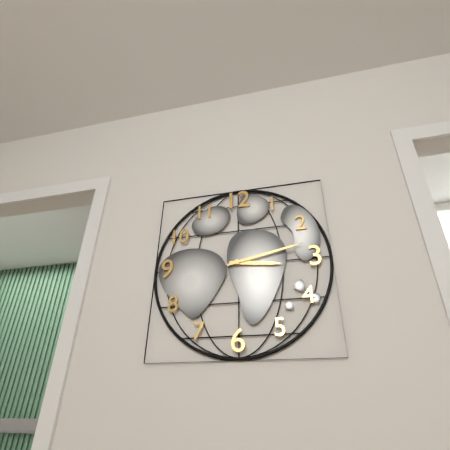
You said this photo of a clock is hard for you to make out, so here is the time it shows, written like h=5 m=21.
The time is h=3 m=13
